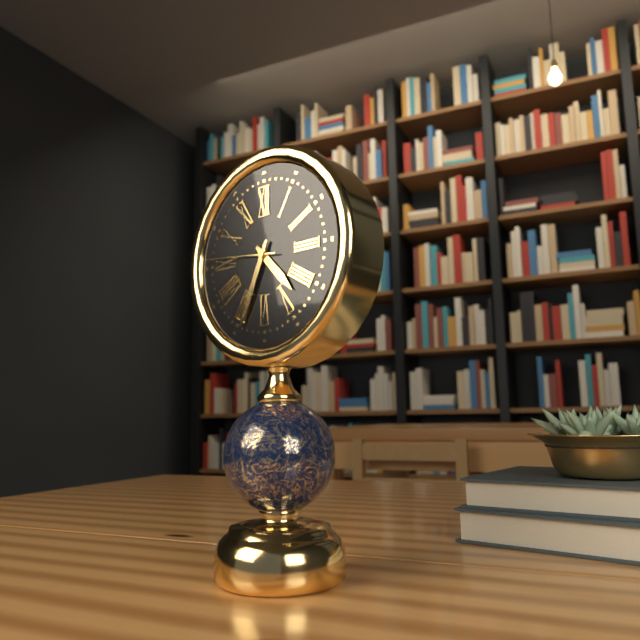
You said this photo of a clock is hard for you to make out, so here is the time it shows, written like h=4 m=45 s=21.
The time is h=4 m=34 s=46
